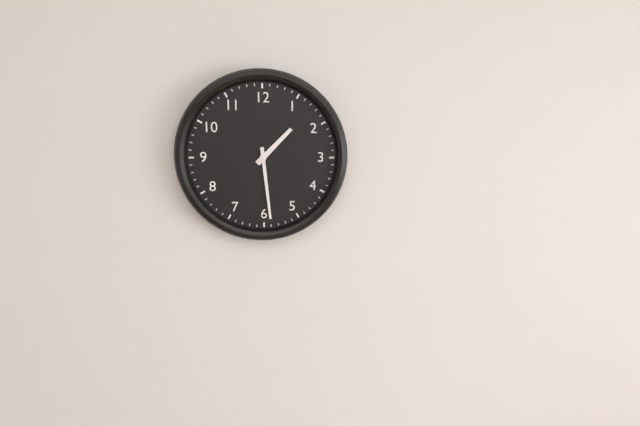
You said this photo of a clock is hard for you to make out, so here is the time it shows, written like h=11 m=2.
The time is h=1 m=29
